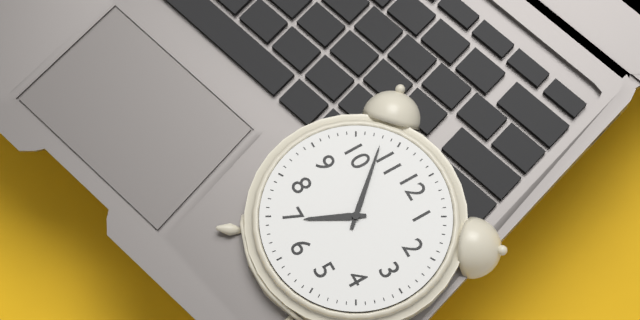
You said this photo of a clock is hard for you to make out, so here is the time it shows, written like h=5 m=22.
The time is h=6 m=53
